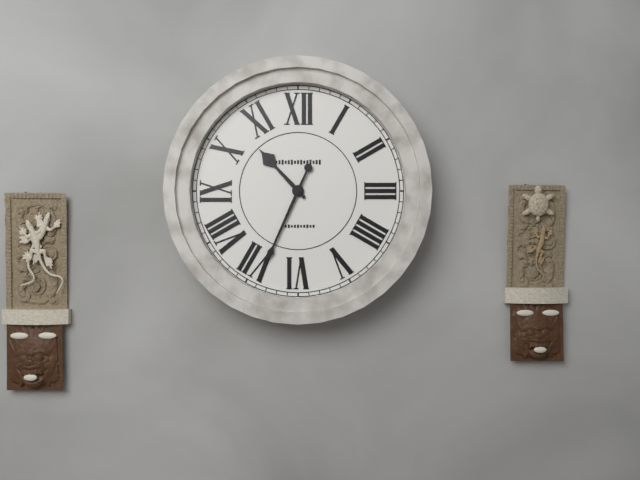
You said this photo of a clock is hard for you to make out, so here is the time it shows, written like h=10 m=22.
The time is h=10 m=34
